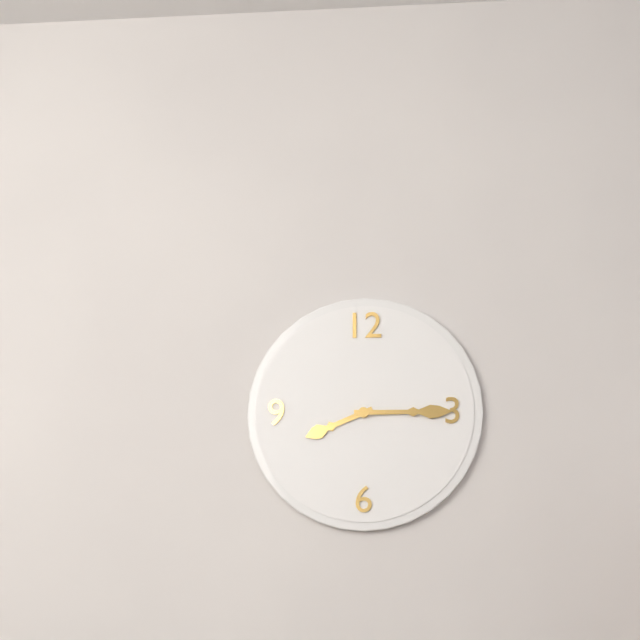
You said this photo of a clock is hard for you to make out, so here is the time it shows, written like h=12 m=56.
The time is h=8 m=15
